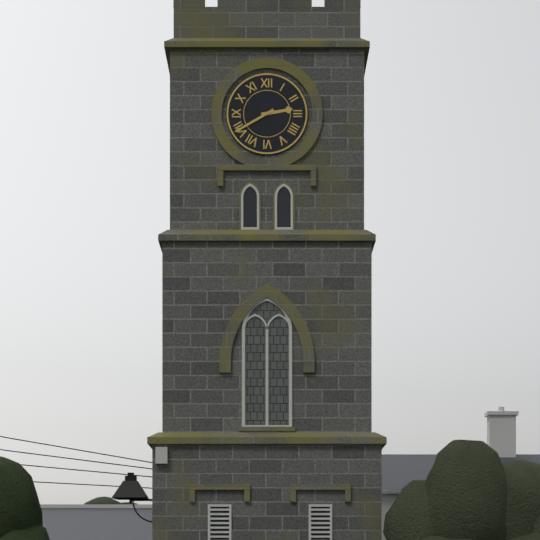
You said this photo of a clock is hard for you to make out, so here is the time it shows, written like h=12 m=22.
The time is h=2 m=40
